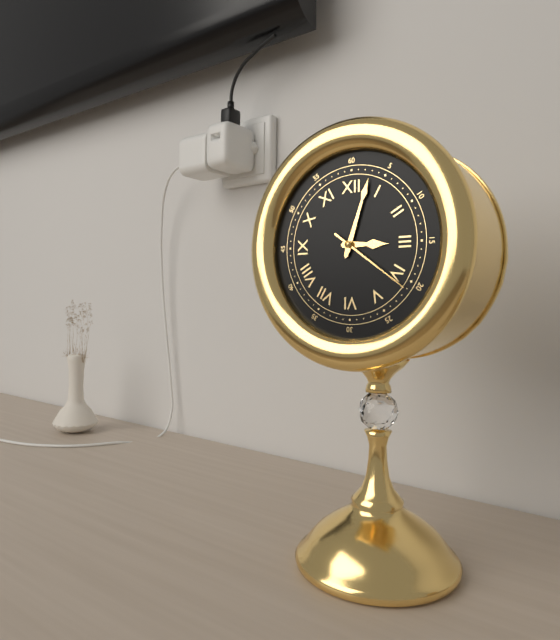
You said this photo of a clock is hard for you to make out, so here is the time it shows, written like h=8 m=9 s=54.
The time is h=3 m=3 s=21
